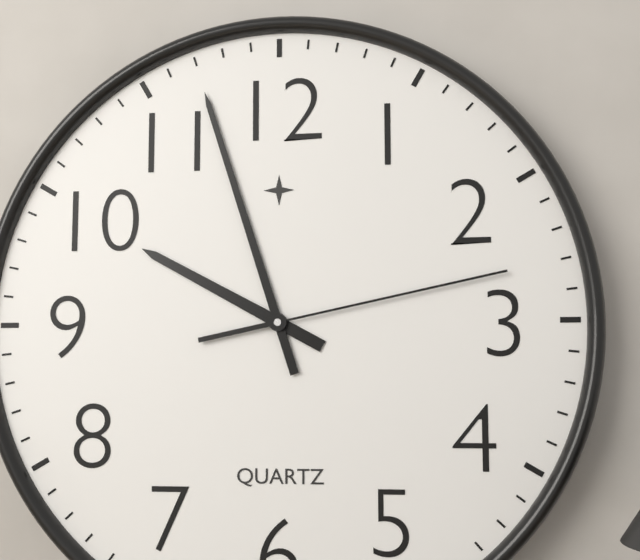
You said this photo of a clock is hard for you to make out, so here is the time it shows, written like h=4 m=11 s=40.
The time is h=9 m=57 s=13
